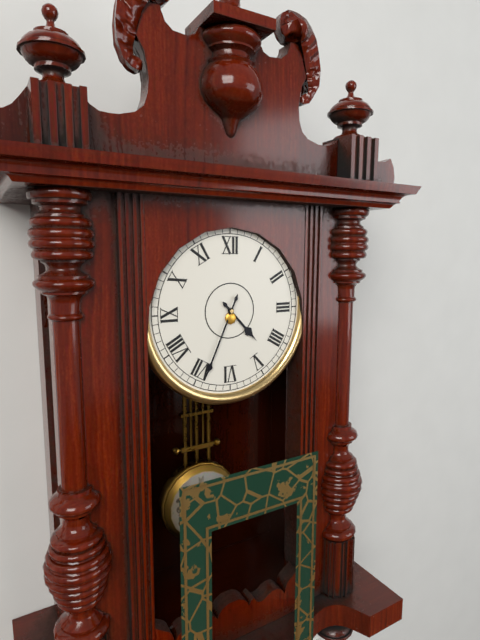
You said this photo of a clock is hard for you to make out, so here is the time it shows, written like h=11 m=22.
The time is h=4 m=34
